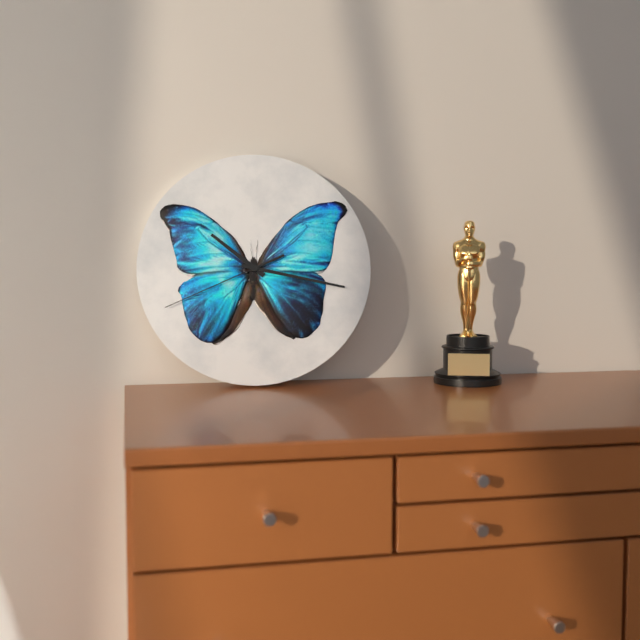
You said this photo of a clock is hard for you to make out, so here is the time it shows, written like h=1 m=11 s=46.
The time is h=10 m=17 s=41
